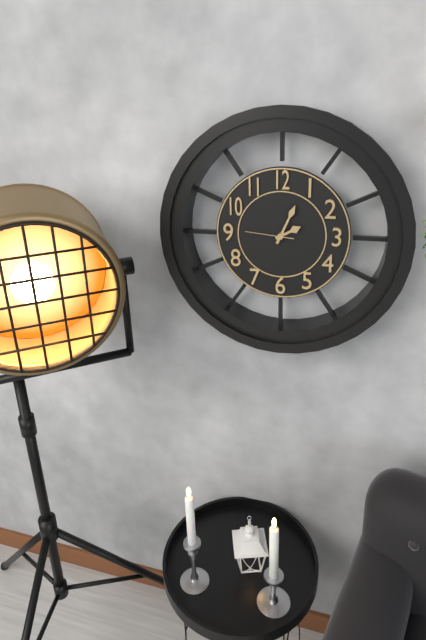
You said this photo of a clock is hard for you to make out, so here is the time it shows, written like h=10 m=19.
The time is h=2 m=4
